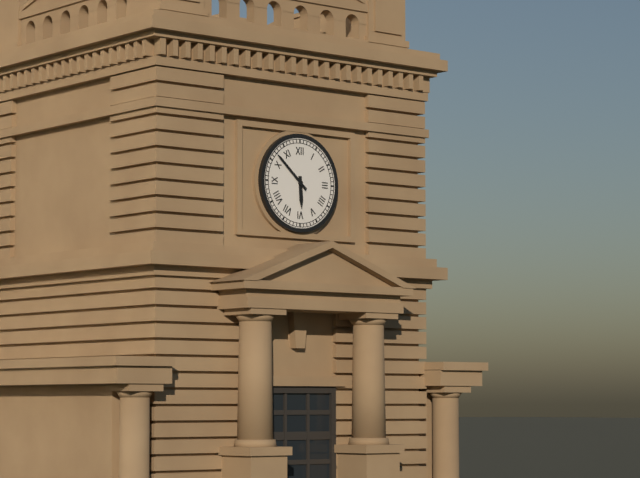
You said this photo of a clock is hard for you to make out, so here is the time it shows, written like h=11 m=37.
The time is h=5 m=52
